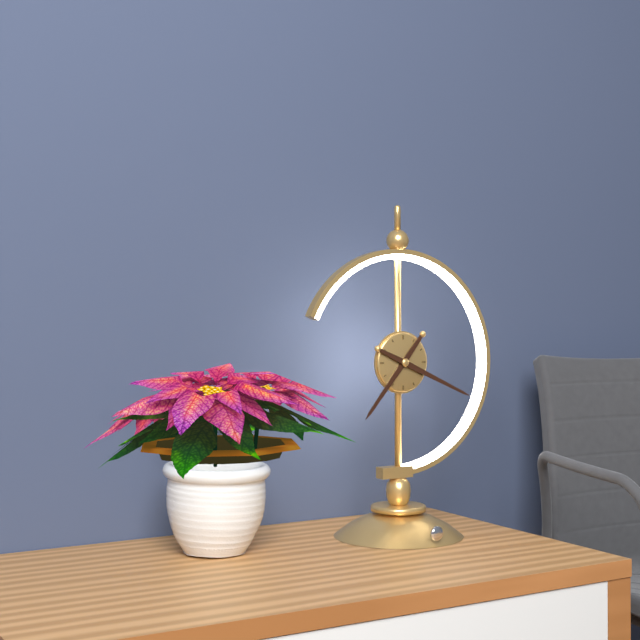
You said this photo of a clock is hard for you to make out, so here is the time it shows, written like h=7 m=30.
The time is h=7 m=19
